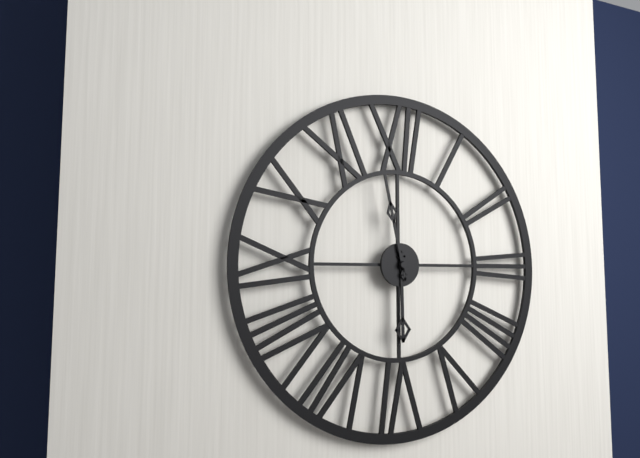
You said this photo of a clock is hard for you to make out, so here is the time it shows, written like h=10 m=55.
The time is h=5 m=58
